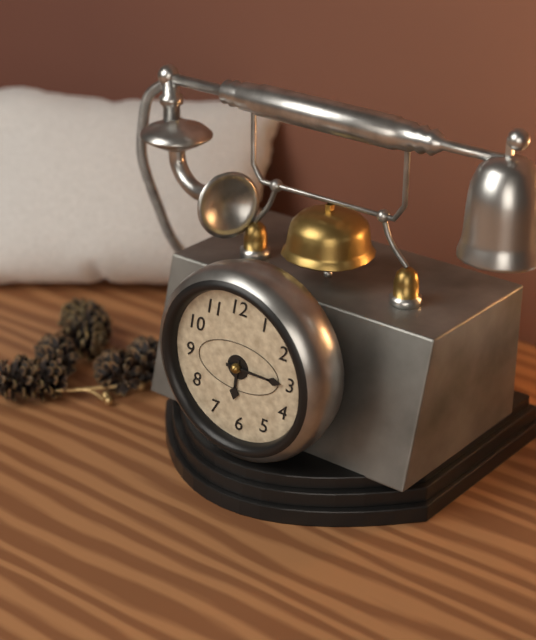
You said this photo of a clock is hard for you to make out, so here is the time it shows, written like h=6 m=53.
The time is h=6 m=15
